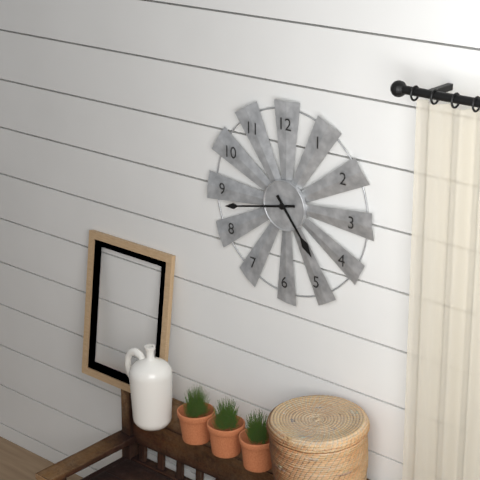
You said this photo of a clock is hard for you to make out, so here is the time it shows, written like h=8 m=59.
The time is h=4 m=43
